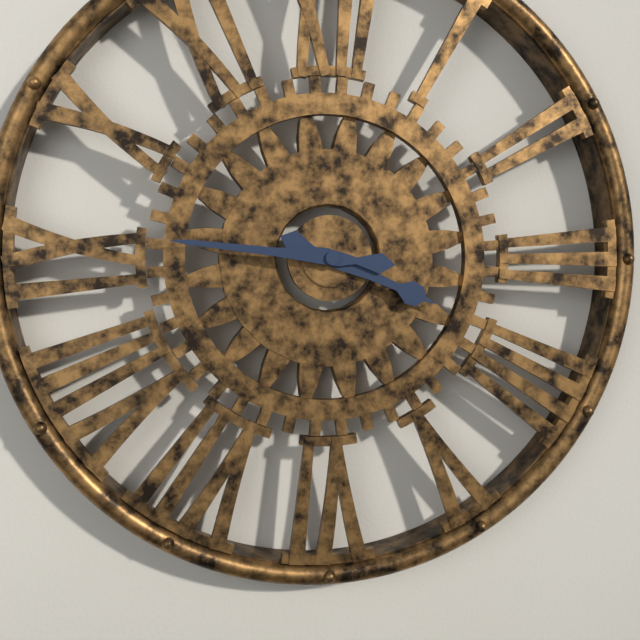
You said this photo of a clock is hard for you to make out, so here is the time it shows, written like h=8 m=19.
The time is h=3 m=46
